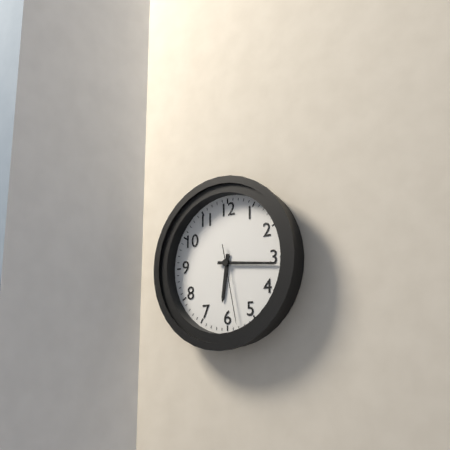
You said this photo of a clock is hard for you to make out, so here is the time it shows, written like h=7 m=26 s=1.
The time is h=6 m=16 s=28
